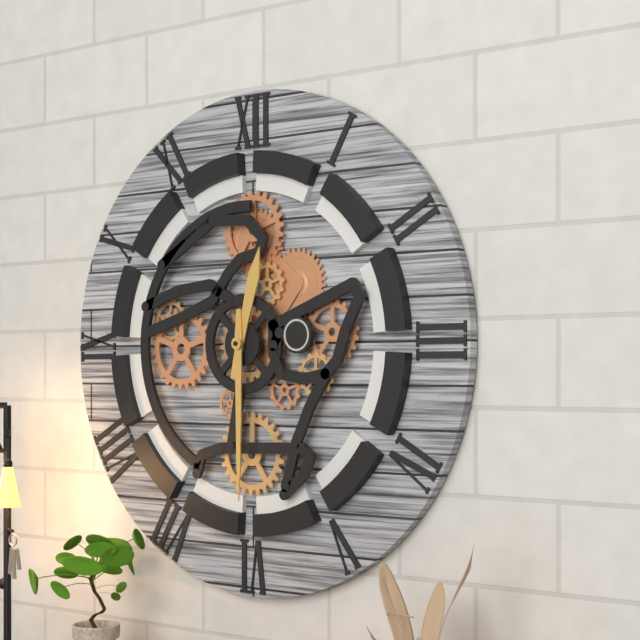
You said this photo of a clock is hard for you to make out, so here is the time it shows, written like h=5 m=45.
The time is h=12 m=30
